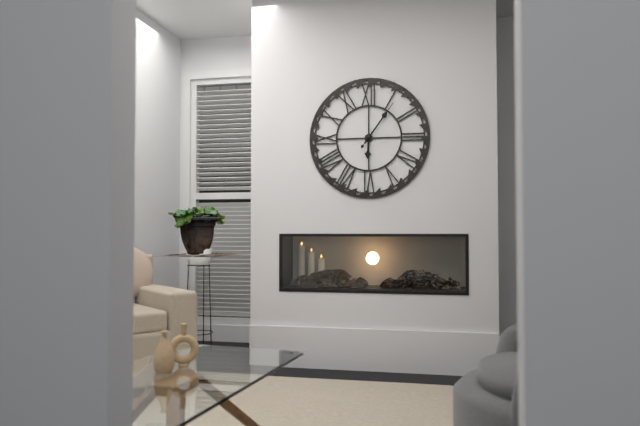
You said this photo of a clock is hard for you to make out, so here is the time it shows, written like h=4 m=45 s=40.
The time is h=6 m=6 s=6
